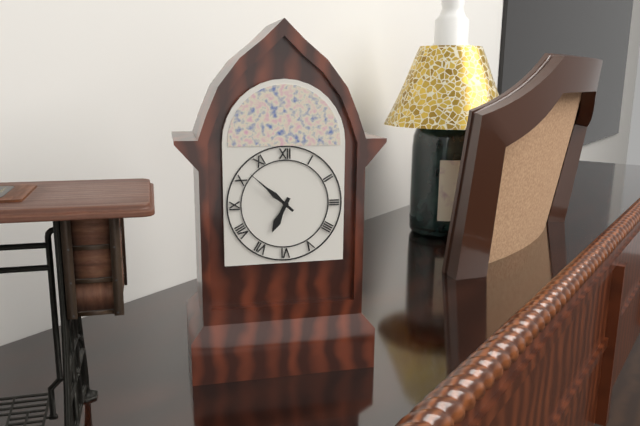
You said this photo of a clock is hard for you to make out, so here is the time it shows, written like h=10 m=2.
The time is h=6 m=52
